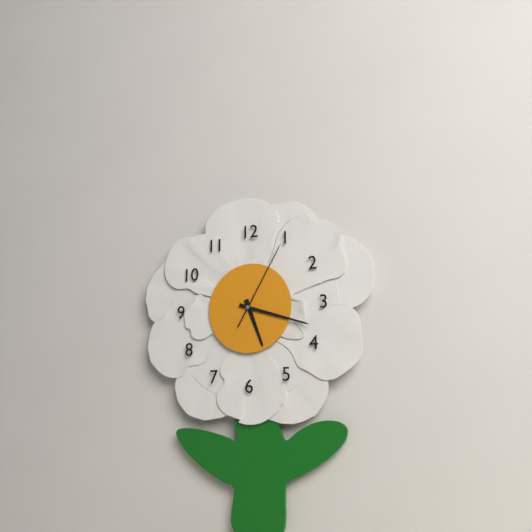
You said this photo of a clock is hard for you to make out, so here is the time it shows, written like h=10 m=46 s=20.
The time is h=5 m=18 s=5
